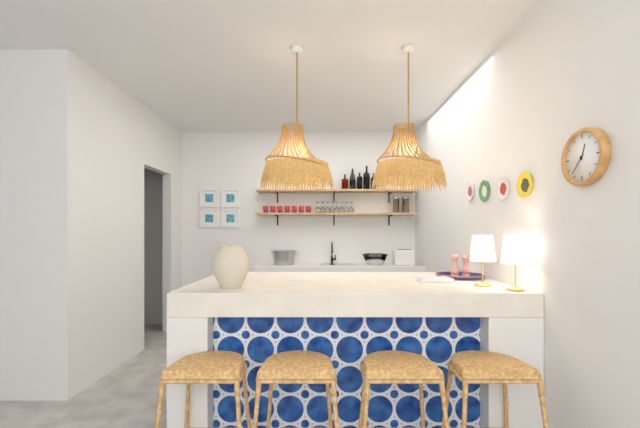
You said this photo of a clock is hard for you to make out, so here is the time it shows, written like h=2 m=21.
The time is h=12 m=37
